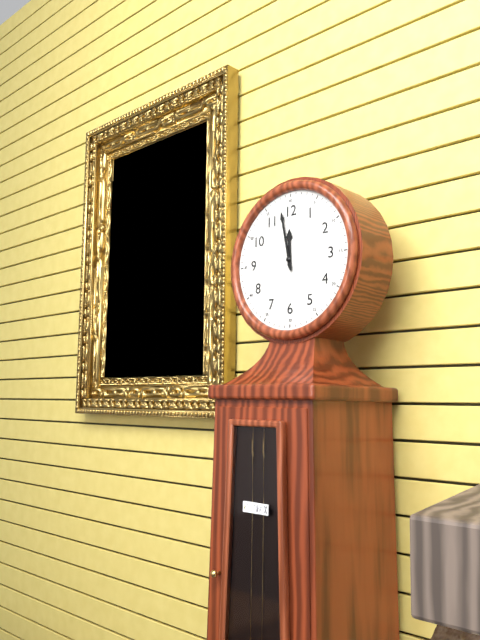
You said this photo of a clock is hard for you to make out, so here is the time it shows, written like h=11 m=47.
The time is h=11 m=58
